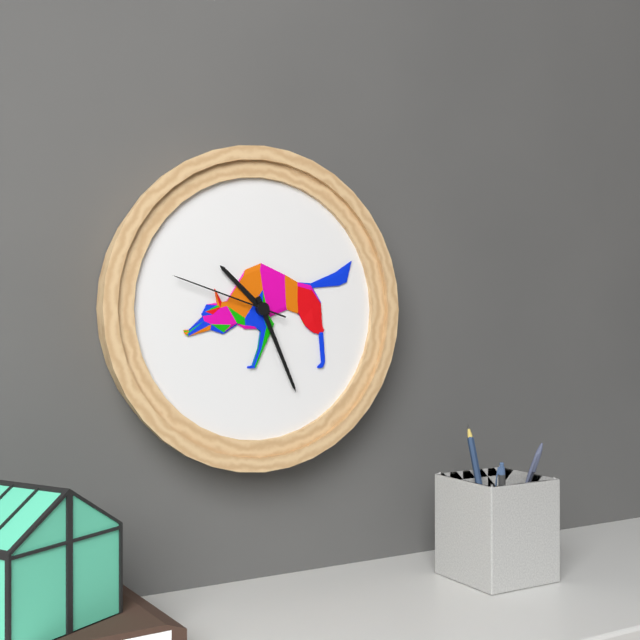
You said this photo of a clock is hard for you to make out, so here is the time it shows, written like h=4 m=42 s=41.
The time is h=10 m=26 s=48
